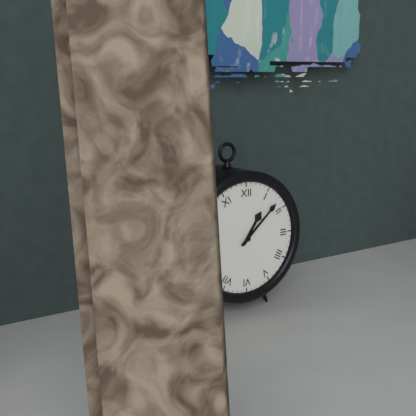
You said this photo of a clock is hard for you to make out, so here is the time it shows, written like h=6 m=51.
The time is h=1 m=8
